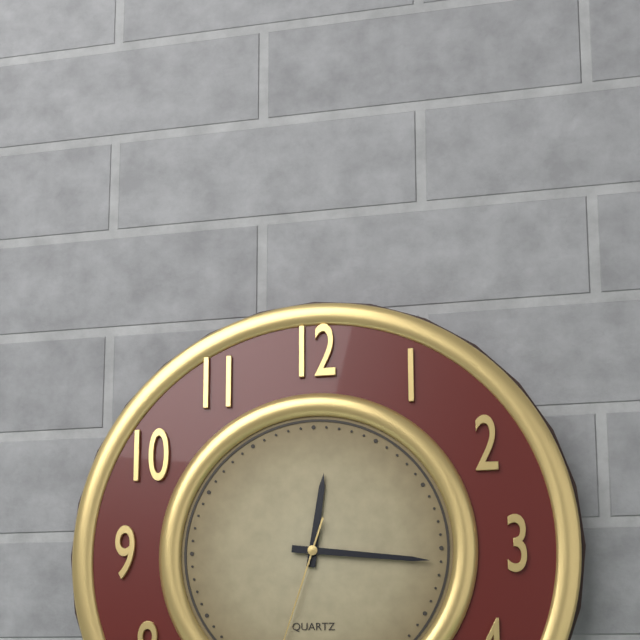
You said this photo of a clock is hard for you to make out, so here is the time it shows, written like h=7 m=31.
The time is h=12 m=16
